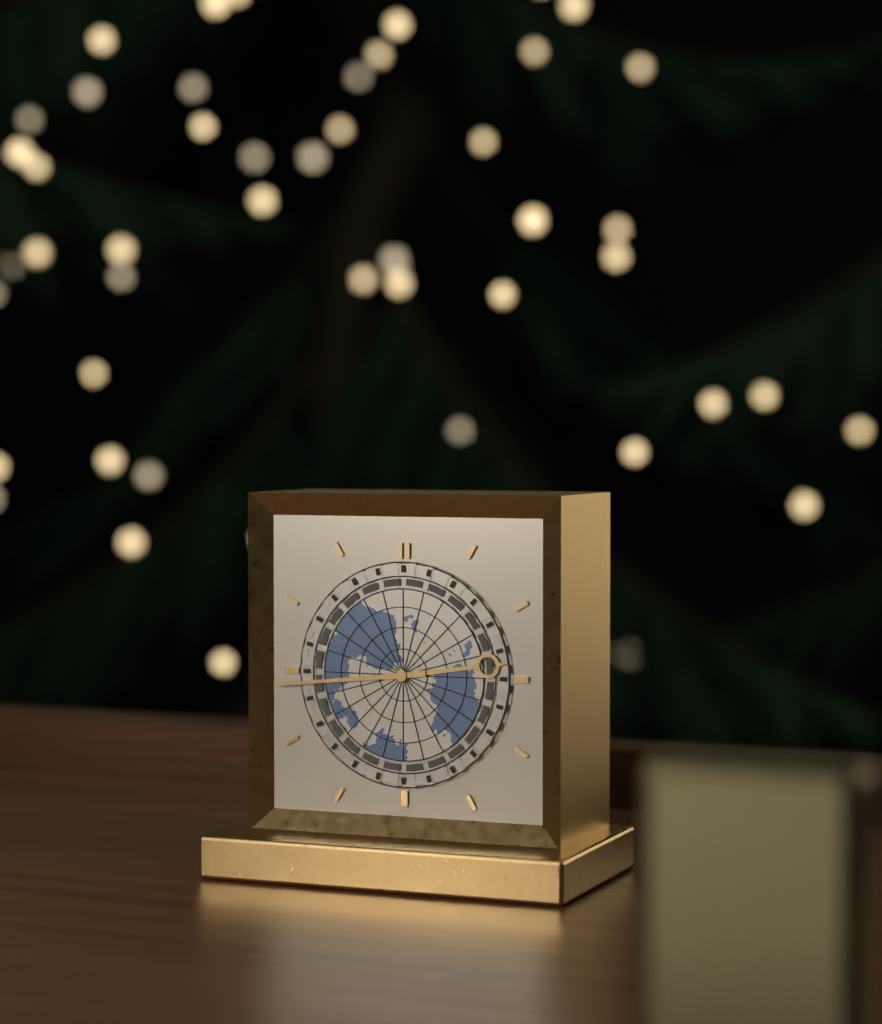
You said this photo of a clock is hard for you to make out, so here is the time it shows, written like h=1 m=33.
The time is h=2 m=44
